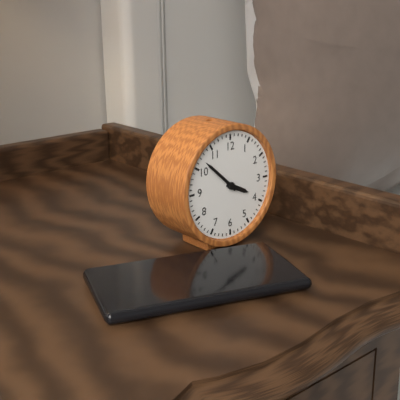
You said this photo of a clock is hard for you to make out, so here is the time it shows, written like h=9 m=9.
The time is h=3 m=52
